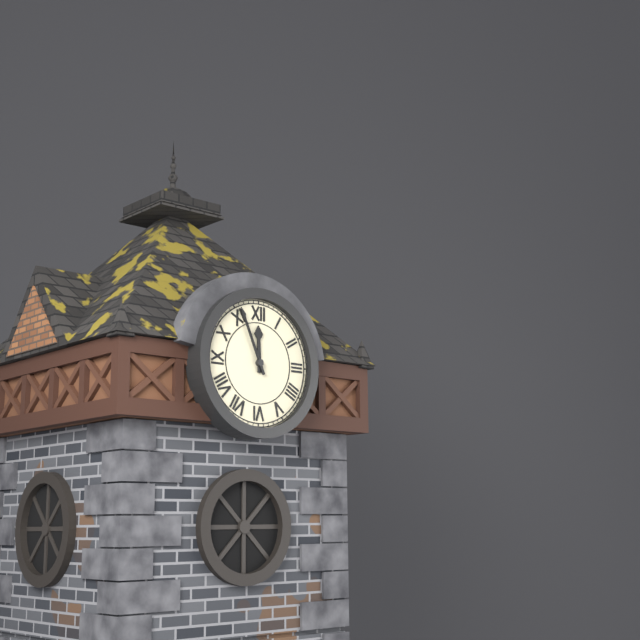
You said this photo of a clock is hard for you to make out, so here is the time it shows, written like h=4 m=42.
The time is h=11 m=56
